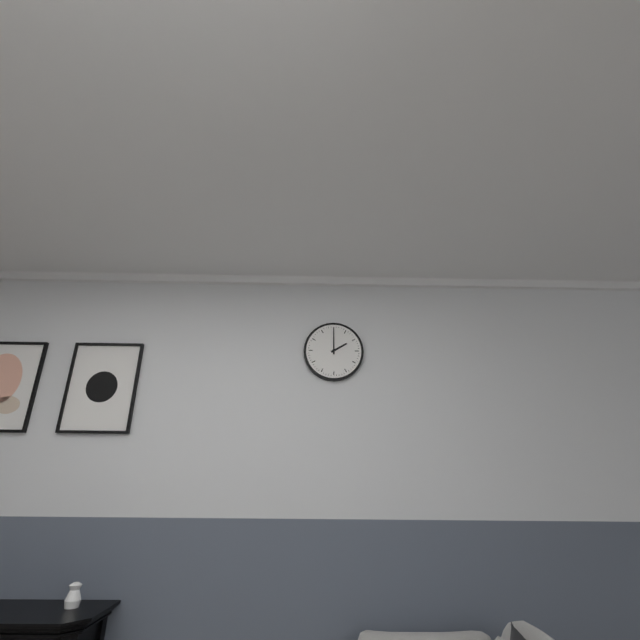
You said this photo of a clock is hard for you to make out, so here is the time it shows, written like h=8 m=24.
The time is h=2 m=0
